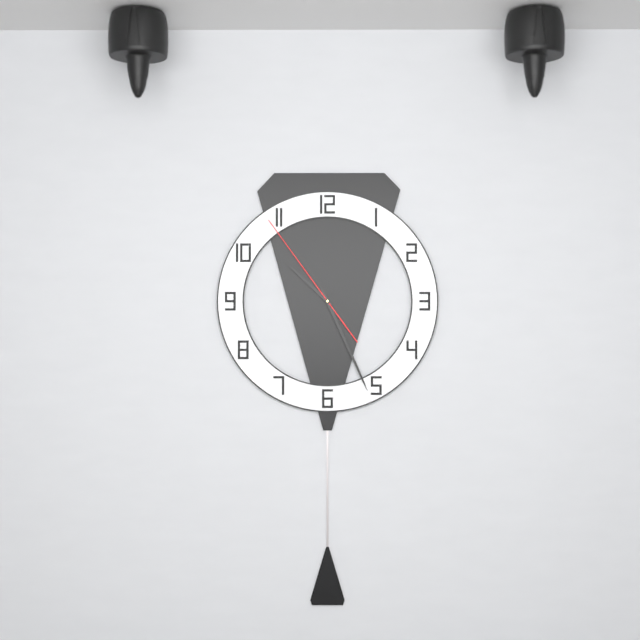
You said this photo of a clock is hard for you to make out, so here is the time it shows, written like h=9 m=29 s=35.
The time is h=10 m=26 s=54
